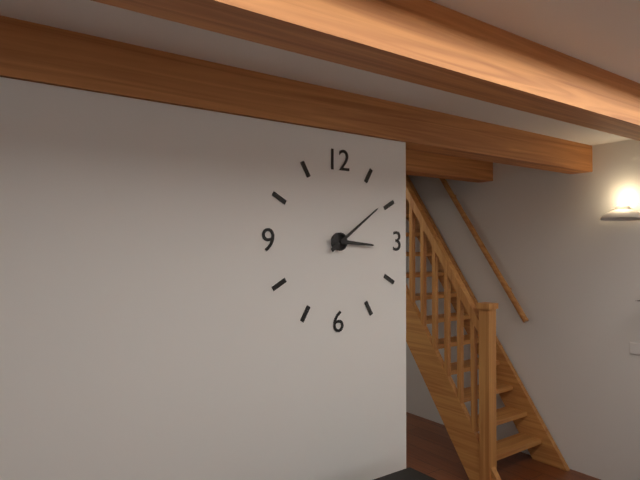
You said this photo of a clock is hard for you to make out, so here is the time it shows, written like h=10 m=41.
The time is h=3 m=9
